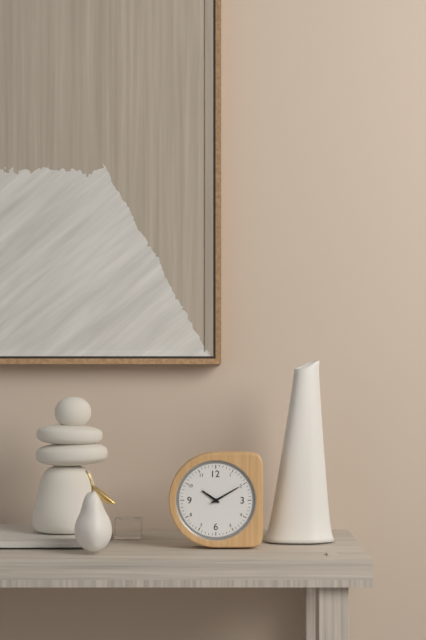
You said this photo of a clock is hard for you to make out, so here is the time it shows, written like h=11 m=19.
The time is h=10 m=10
